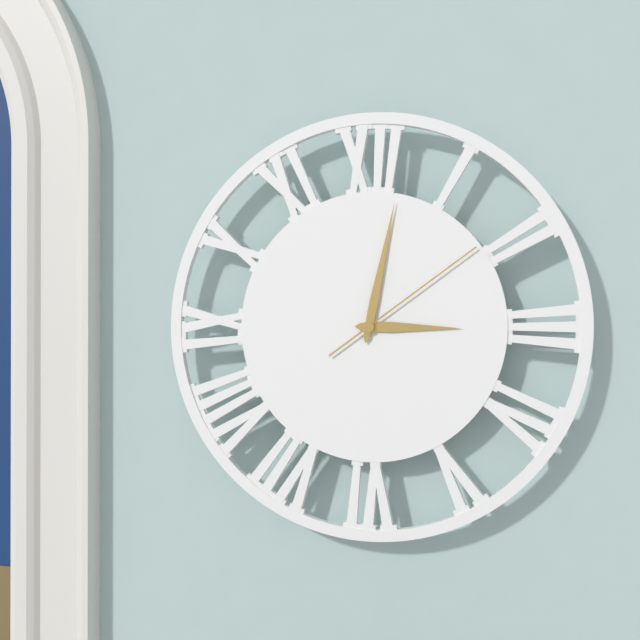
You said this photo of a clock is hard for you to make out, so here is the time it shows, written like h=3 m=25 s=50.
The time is h=3 m=2 s=9
